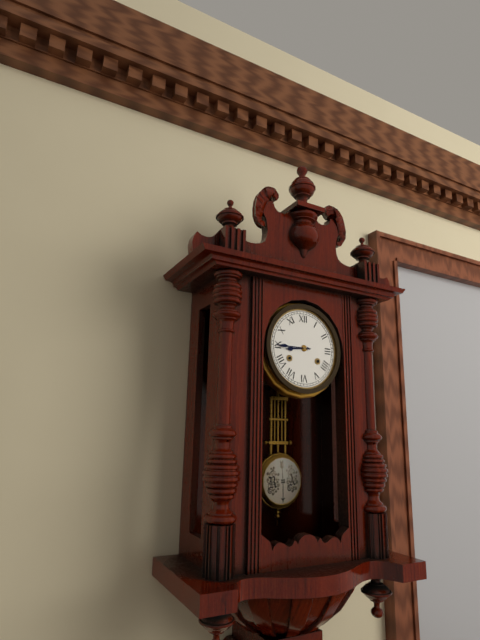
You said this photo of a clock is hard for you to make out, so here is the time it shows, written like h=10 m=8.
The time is h=8 m=45
